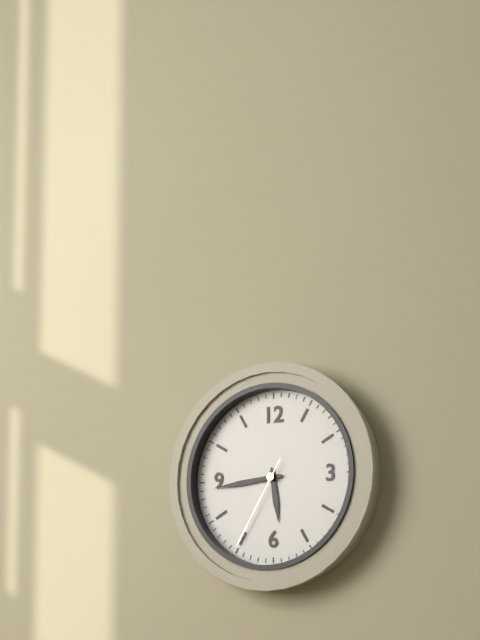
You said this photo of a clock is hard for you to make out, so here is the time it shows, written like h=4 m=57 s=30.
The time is h=5 m=44 s=35
